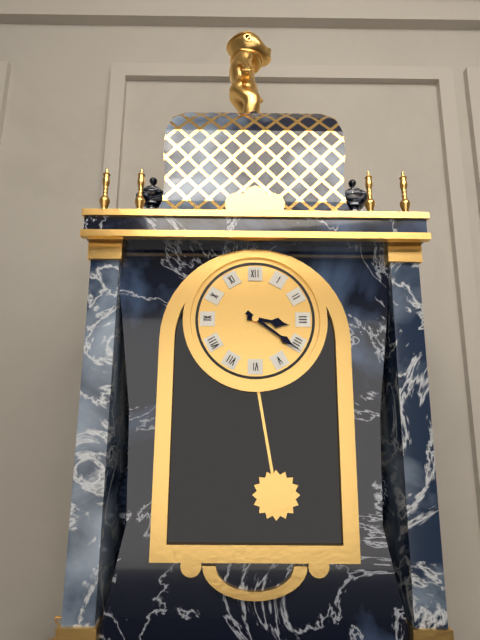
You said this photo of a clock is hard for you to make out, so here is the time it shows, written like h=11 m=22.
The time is h=3 m=21
